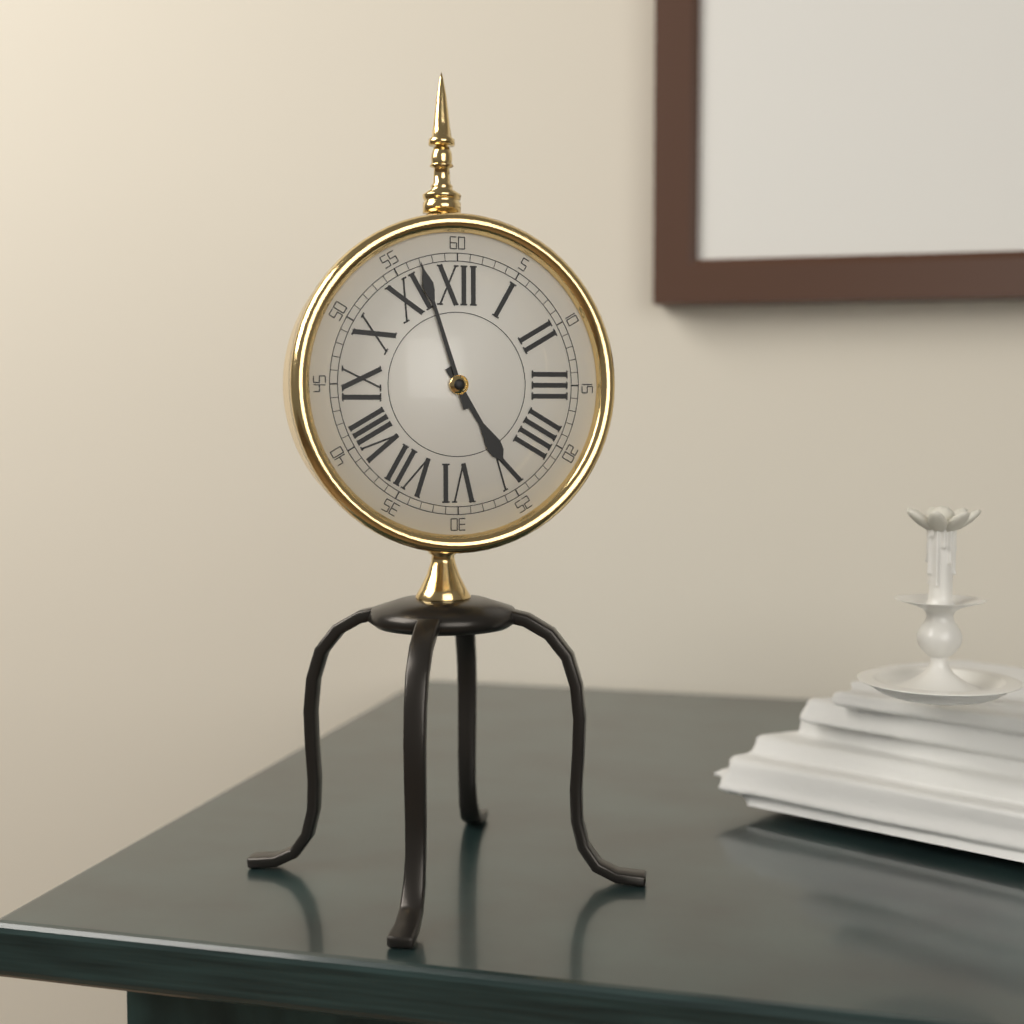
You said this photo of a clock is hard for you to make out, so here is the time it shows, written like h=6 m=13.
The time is h=4 m=57
